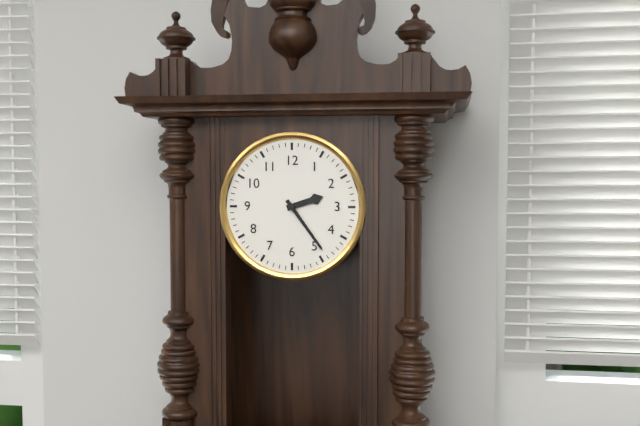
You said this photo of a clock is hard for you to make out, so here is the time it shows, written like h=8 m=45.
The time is h=2 m=24
